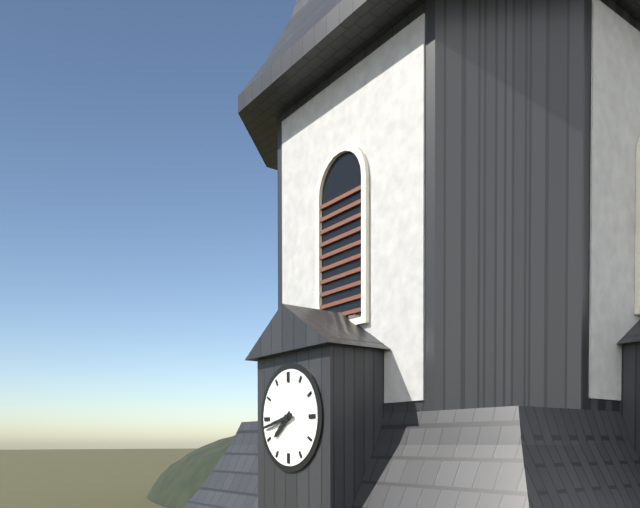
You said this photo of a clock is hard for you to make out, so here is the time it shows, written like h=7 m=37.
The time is h=7 m=43
